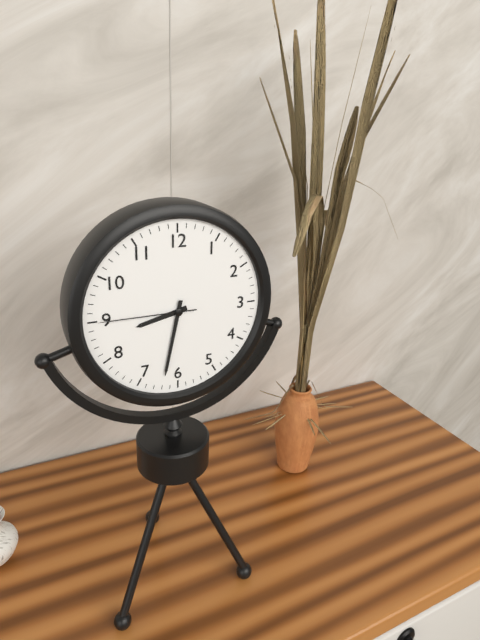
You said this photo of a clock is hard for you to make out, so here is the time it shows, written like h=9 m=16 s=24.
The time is h=8 m=32 s=45
